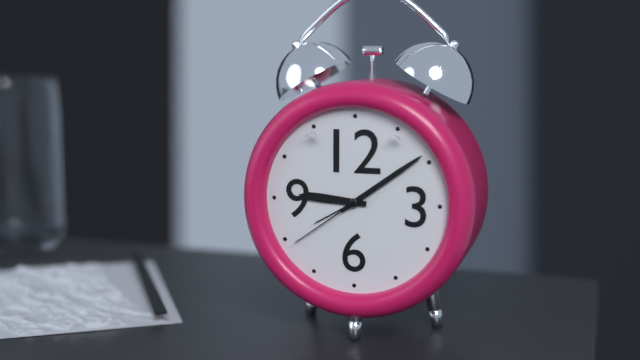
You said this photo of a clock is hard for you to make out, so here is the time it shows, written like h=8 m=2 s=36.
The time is h=9 m=9 s=39
